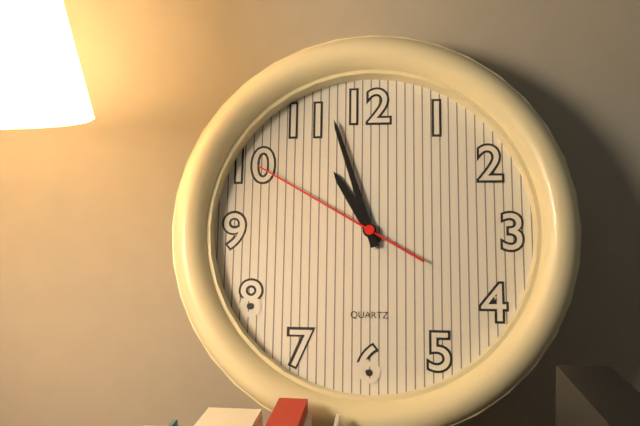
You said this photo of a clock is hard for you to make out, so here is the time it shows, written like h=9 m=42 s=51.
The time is h=10 m=57 s=50
